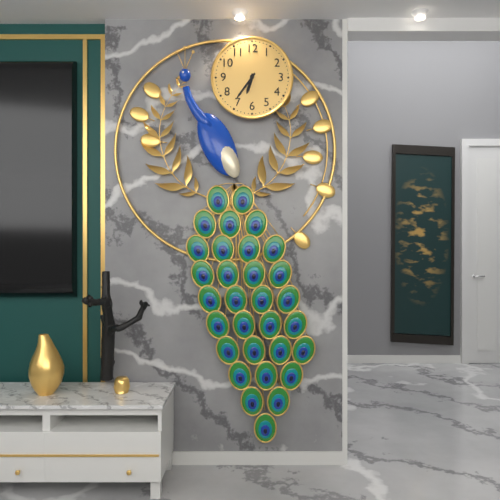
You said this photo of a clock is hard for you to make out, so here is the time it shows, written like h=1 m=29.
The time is h=6 m=36
